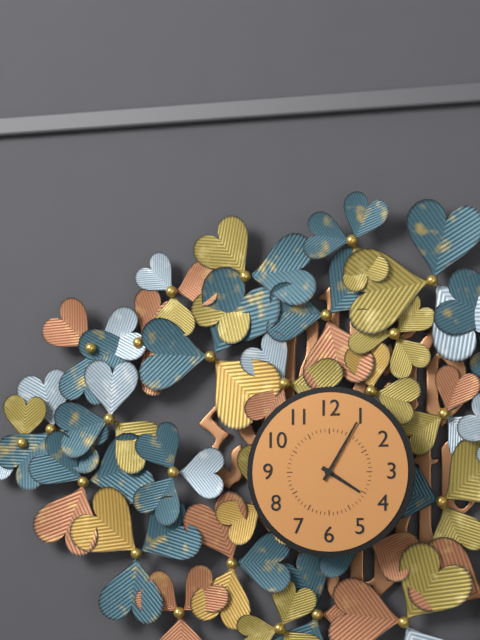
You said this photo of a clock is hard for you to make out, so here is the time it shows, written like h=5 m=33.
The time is h=4 m=5
